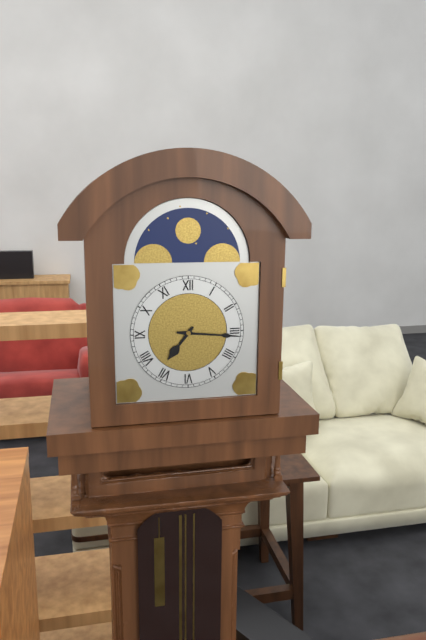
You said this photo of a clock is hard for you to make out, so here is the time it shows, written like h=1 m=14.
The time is h=7 m=16
